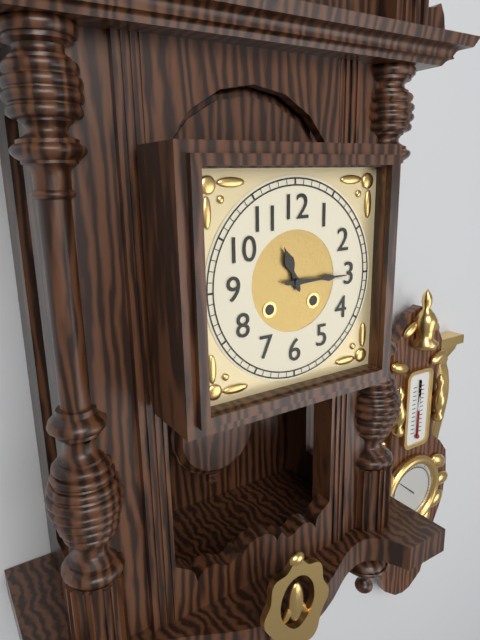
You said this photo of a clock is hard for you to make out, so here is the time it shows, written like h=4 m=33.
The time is h=11 m=15
